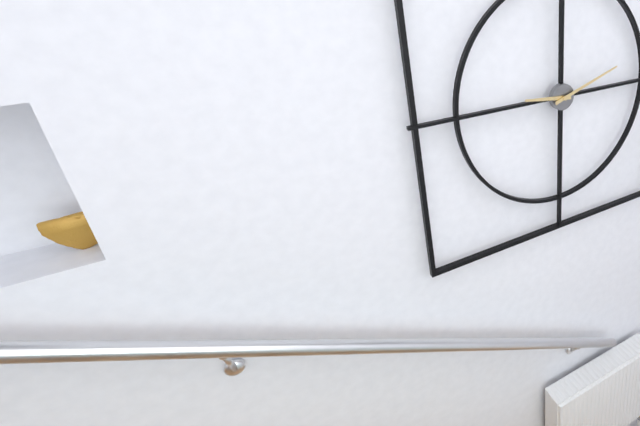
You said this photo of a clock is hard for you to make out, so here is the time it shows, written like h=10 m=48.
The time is h=9 m=12
